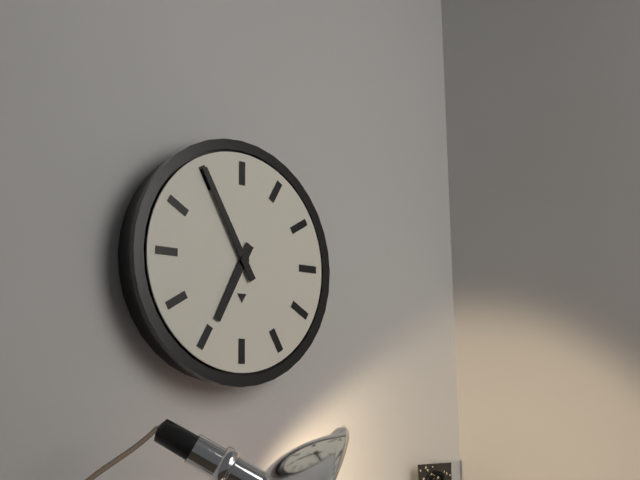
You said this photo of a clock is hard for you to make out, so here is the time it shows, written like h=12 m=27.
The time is h=6 m=55
